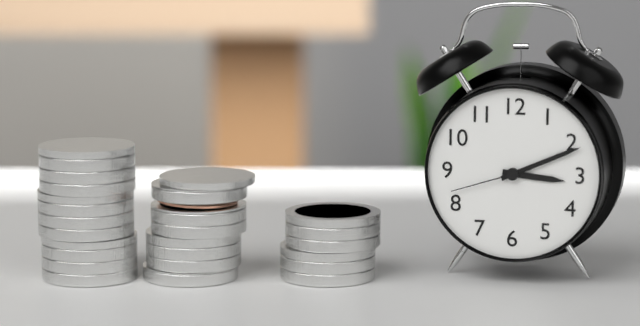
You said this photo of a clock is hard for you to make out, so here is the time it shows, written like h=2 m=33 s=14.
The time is h=3 m=11 s=42
